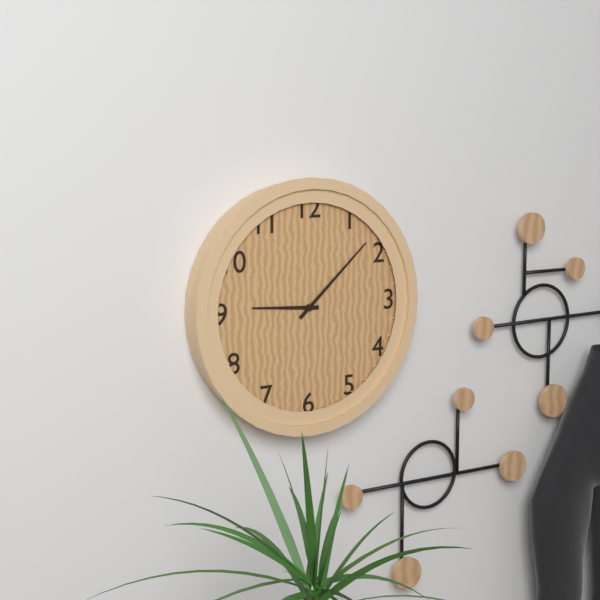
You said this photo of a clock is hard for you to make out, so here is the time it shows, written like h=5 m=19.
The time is h=9 m=8
